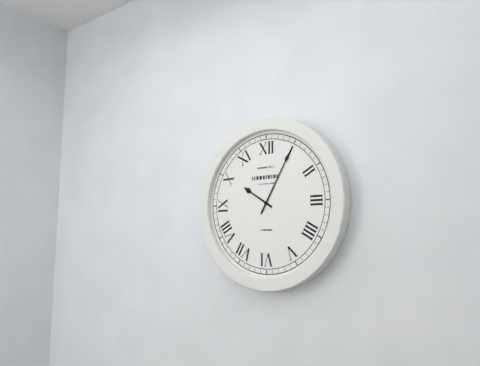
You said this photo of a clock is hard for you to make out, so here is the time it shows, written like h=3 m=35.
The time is h=10 m=5
